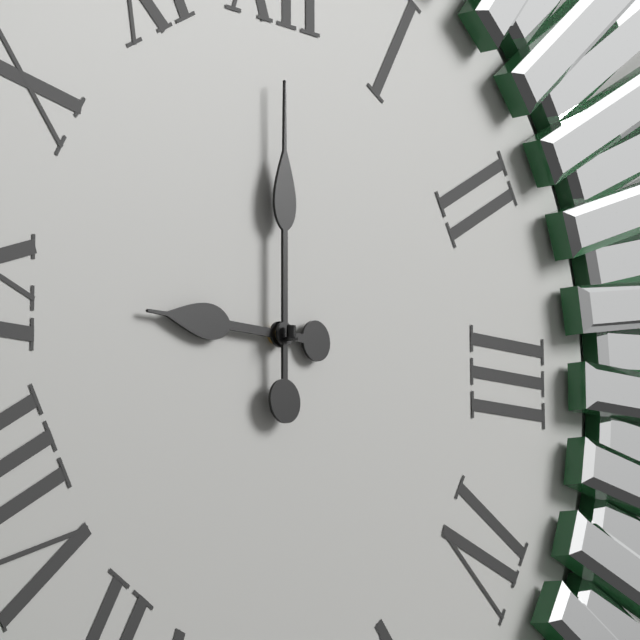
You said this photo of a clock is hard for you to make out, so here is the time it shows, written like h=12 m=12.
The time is h=9 m=0
